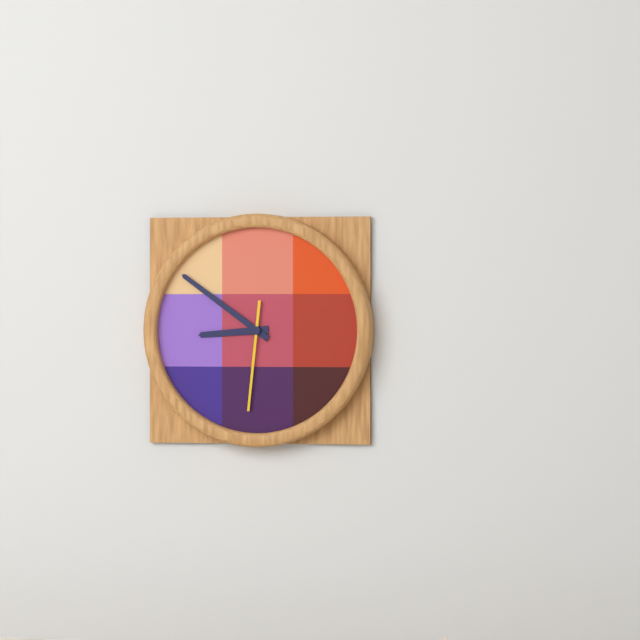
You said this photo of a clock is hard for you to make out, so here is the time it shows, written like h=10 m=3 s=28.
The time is h=8 m=51 s=31
